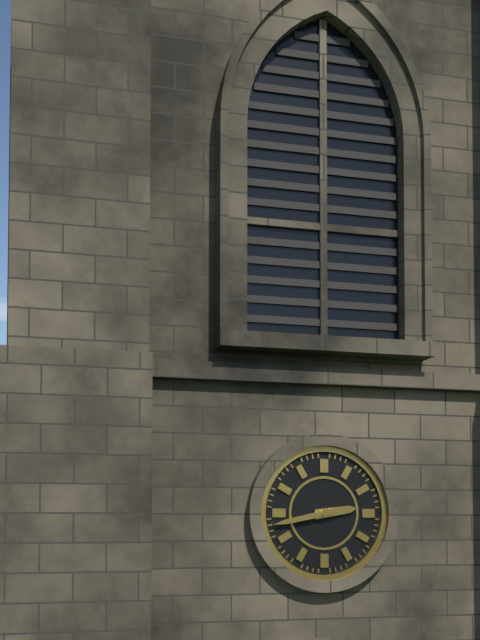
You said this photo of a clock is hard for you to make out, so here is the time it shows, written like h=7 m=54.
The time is h=2 m=43
